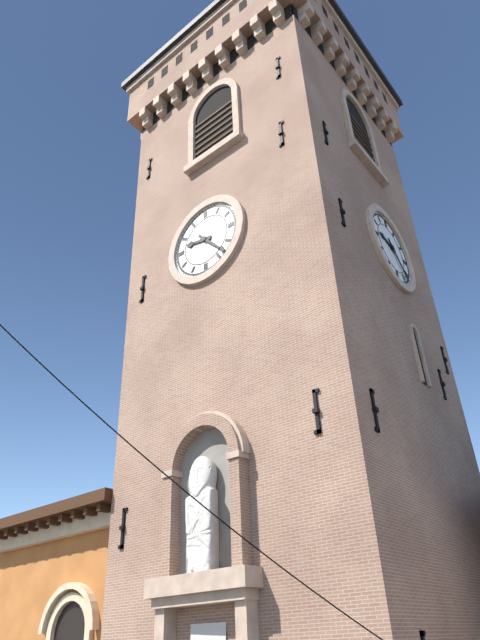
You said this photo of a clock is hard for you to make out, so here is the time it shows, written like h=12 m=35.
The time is h=9 m=23
